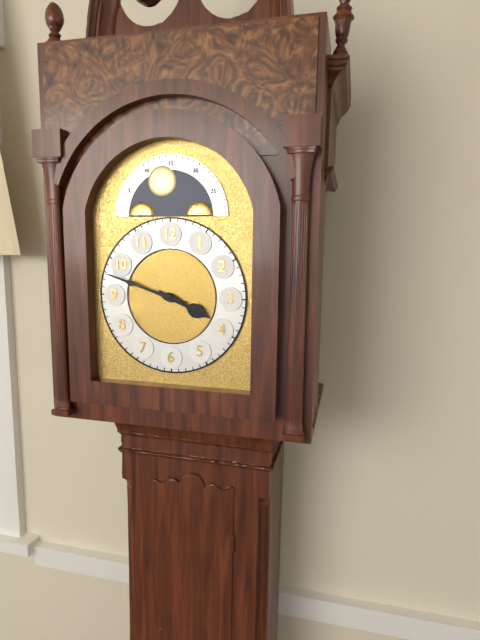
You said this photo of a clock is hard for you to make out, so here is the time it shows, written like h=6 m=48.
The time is h=3 m=48
